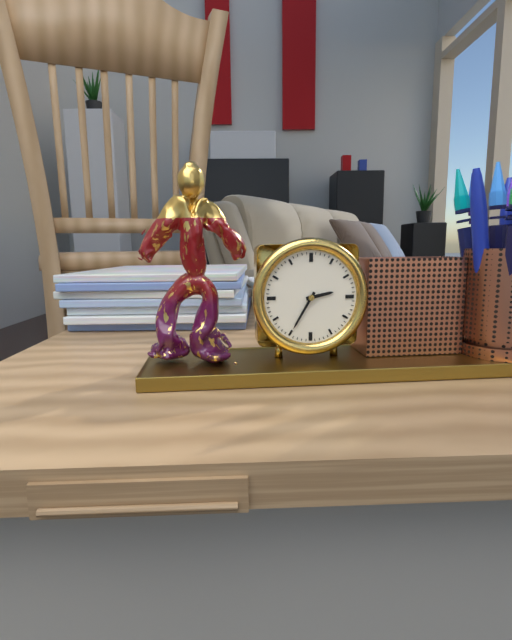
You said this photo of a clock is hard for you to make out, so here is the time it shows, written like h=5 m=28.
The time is h=2 m=35
